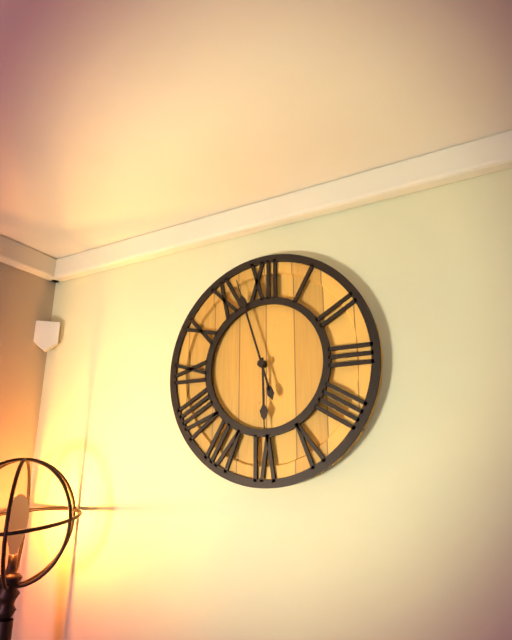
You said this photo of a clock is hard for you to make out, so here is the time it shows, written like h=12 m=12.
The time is h=5 m=57
